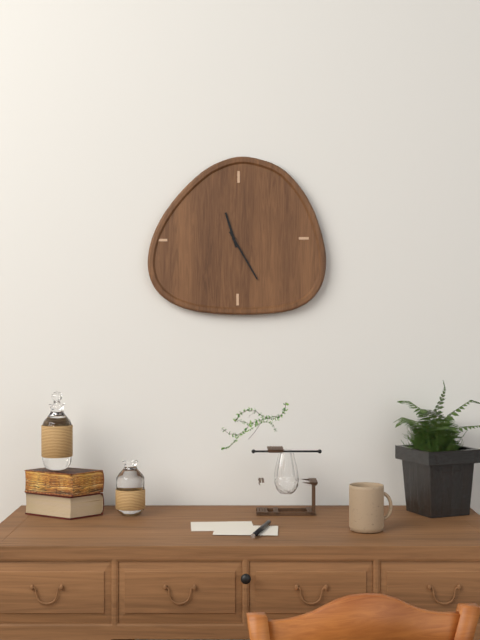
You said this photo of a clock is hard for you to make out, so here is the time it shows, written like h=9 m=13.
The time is h=11 m=25
